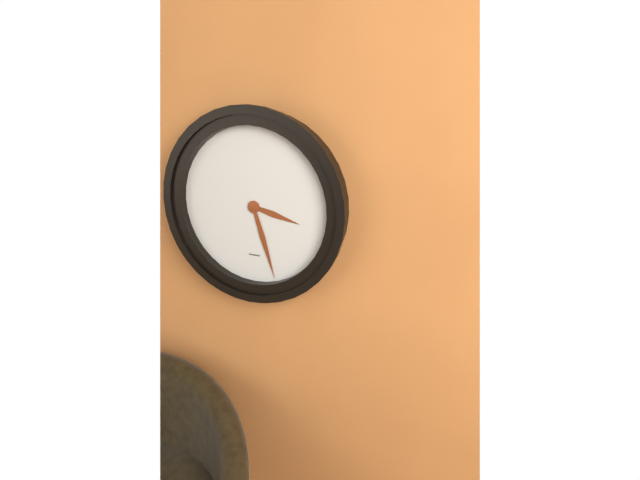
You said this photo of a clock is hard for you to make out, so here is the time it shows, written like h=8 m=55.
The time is h=3 m=27
